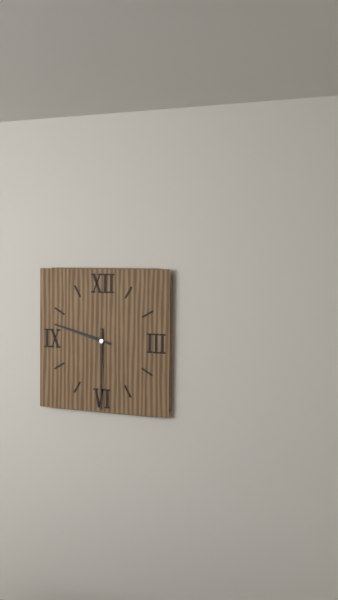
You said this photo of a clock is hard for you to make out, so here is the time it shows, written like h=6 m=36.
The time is h=9 m=30
